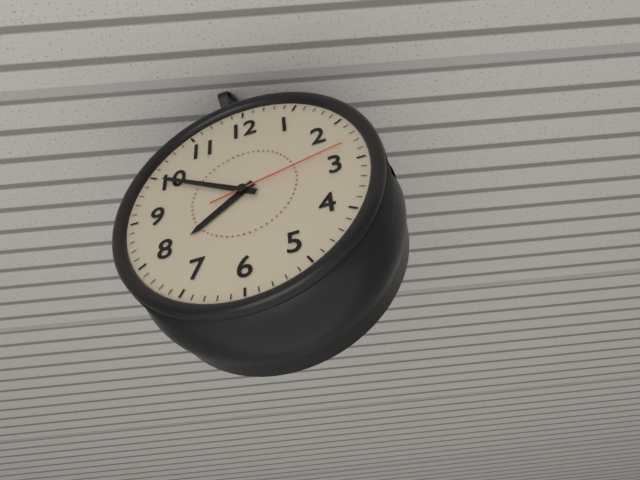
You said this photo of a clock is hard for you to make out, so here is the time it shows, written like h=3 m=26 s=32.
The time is h=7 m=50 s=13
